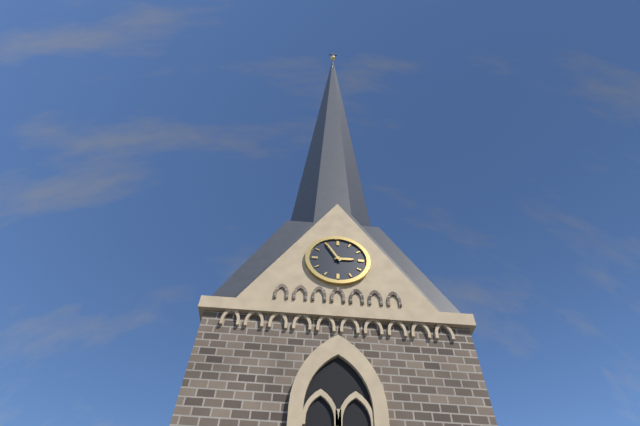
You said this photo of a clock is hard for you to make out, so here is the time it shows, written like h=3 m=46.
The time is h=2 m=55
